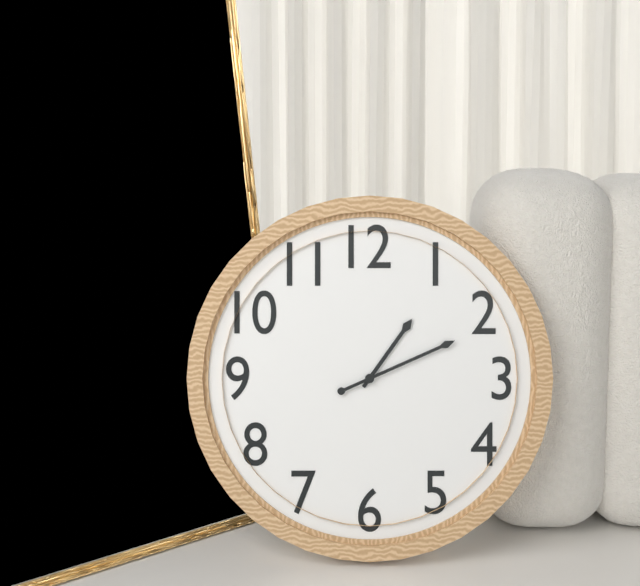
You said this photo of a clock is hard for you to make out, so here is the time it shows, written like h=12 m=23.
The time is h=1 m=11
